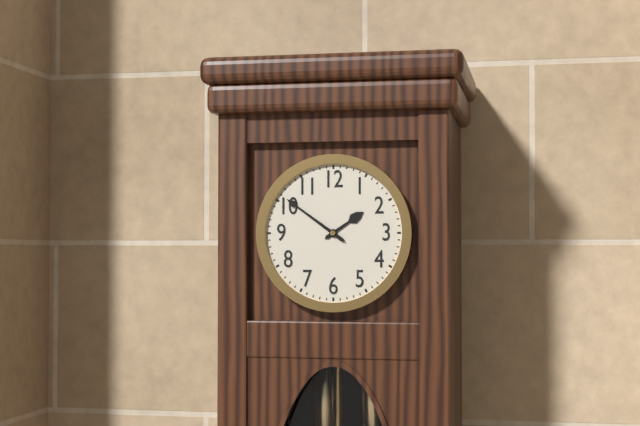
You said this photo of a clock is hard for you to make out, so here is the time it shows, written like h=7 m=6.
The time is h=1 m=51
